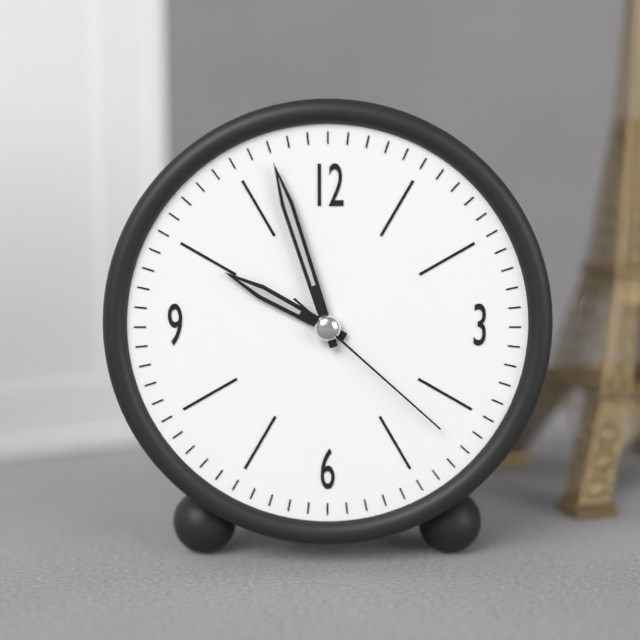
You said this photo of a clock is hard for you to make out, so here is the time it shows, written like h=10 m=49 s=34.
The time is h=9 m=57 s=22
